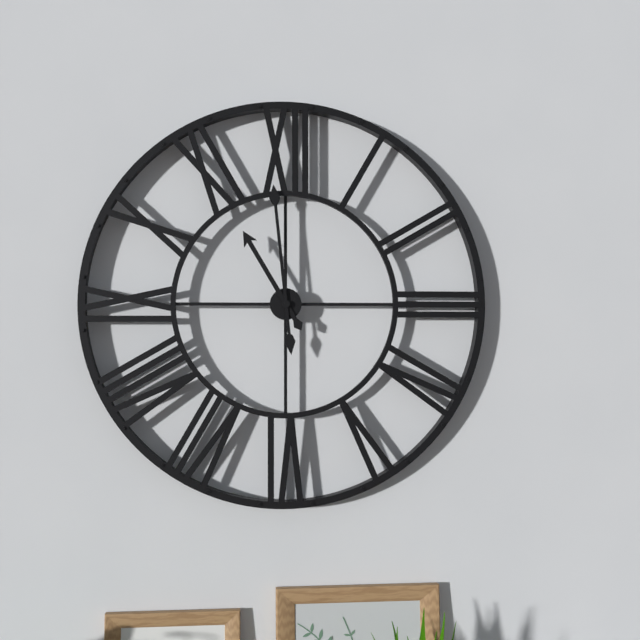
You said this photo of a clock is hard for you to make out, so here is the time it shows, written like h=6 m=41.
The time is h=10 m=59
